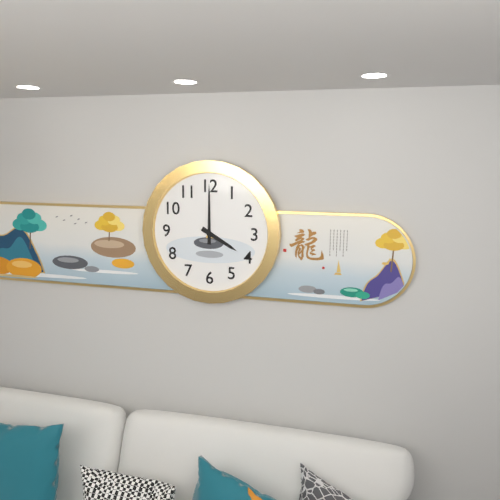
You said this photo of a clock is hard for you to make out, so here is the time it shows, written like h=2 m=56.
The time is h=4 m=0
